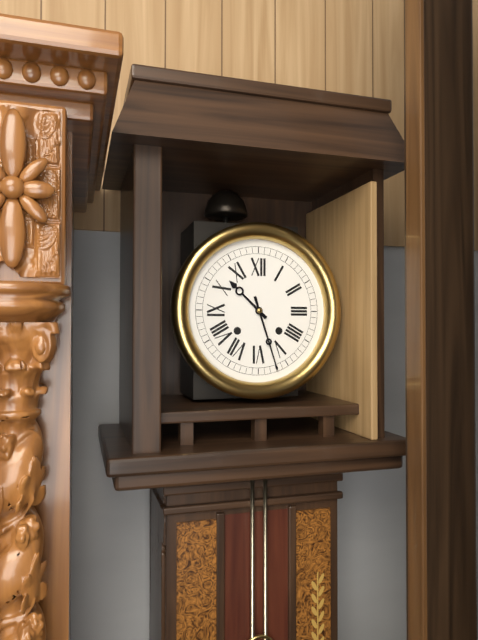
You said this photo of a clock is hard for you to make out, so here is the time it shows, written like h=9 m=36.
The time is h=10 m=27
